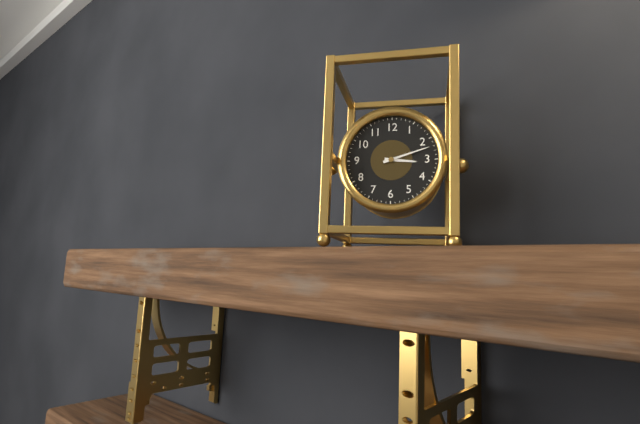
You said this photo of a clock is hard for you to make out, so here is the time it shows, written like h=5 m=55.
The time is h=3 m=12
